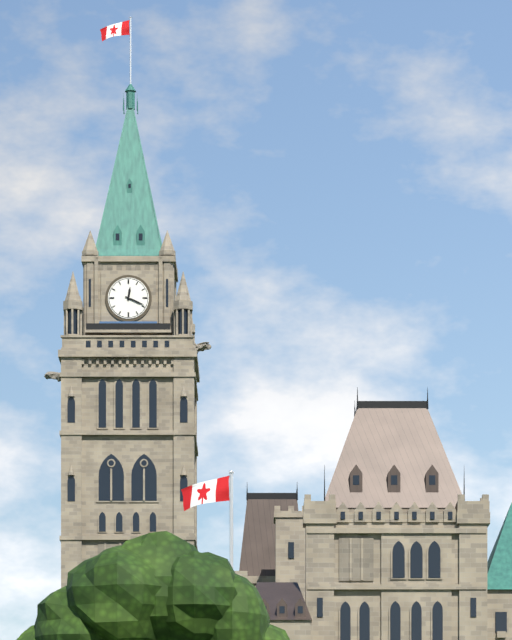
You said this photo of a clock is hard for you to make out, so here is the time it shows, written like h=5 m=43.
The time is h=12 m=19
